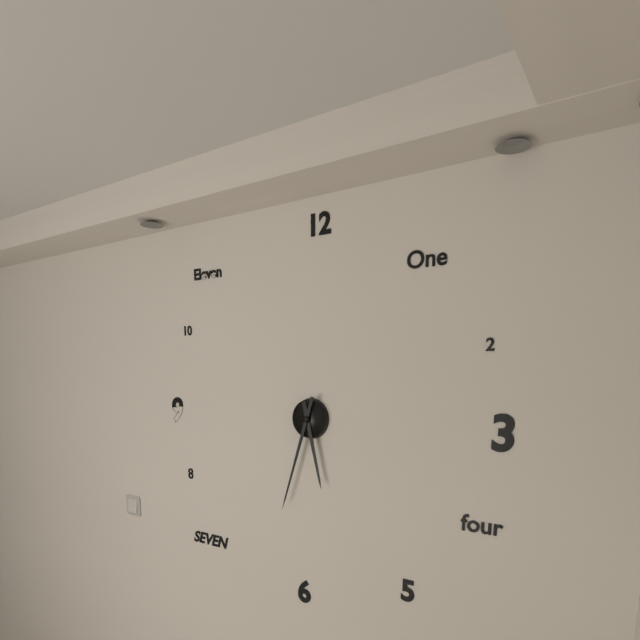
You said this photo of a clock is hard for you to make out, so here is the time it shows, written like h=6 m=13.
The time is h=5 m=33
